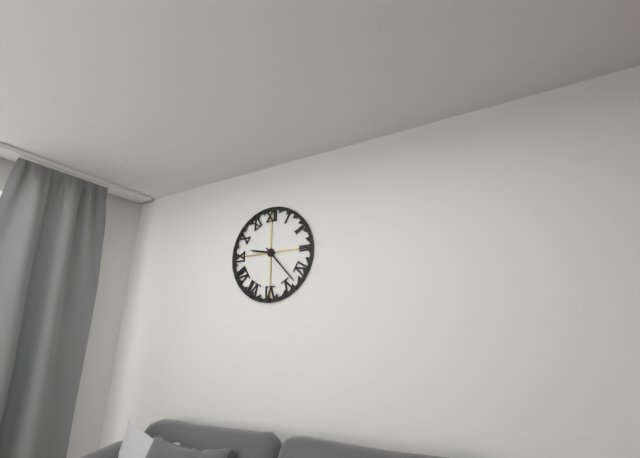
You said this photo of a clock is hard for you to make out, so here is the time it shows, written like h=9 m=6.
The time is h=9 m=23
